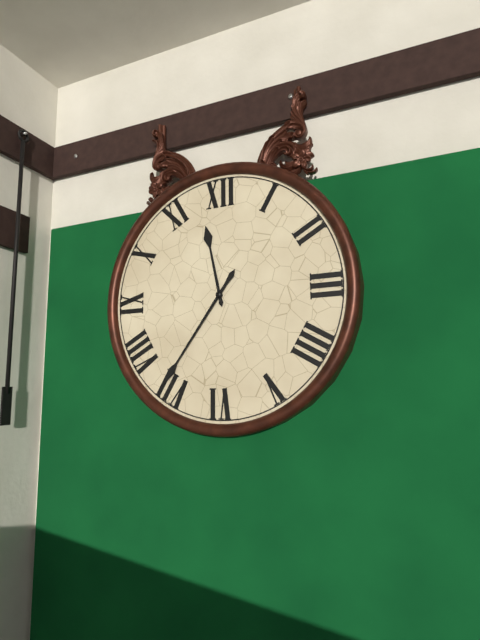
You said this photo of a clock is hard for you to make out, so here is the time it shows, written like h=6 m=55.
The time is h=11 m=36
